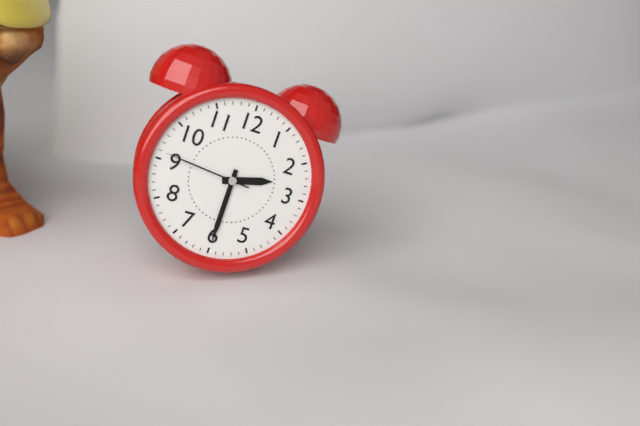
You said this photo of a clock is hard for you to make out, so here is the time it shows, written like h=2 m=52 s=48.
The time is h=2 m=30 s=46
